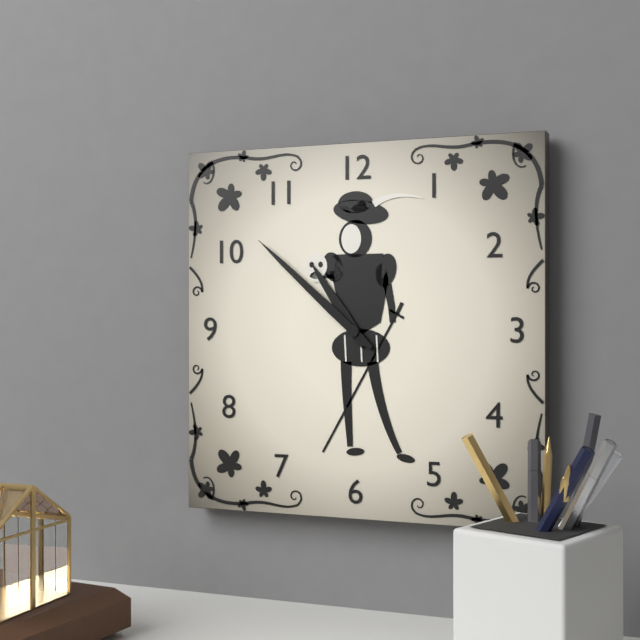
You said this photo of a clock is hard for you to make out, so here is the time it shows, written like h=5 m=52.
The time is h=10 m=52
